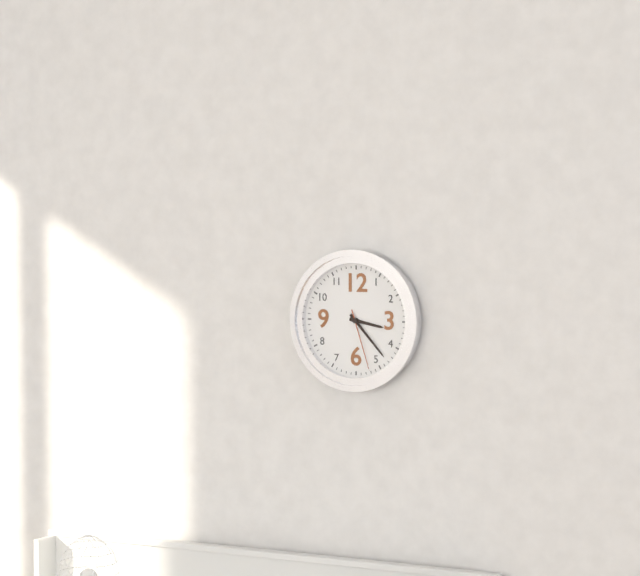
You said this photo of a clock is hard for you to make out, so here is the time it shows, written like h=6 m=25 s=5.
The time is h=3 m=23 s=27
